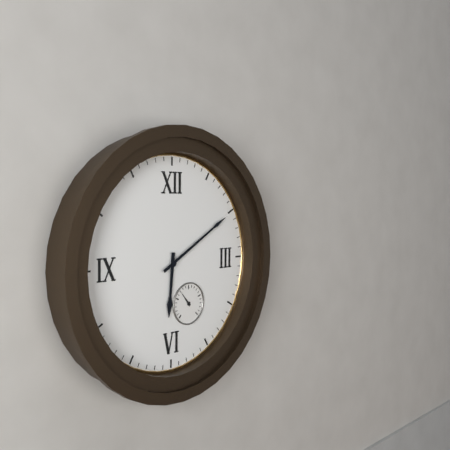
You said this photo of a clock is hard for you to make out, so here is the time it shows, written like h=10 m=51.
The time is h=6 m=10
